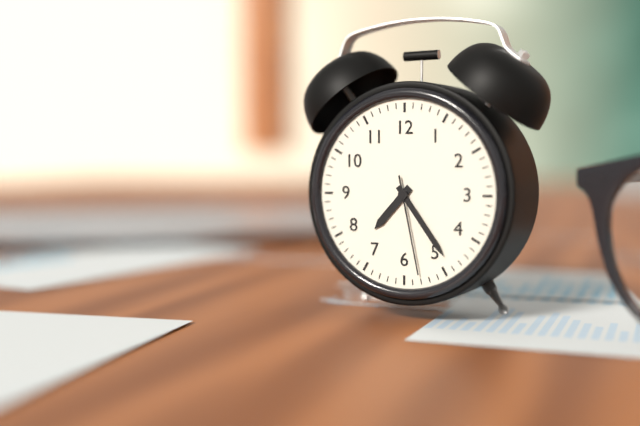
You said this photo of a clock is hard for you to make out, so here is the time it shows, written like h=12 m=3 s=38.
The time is h=7 m=24 s=28
